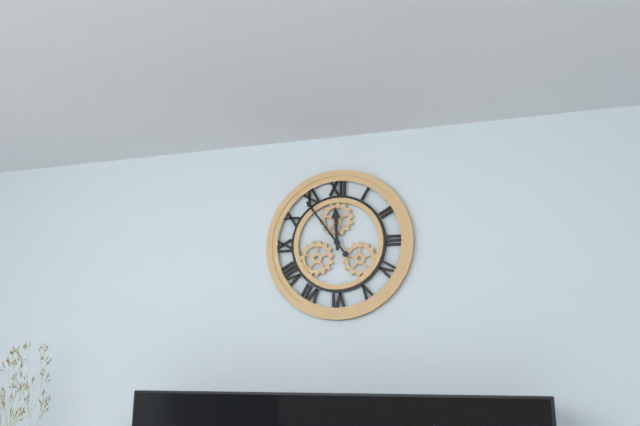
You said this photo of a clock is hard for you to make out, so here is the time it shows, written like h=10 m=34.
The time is h=11 m=54
